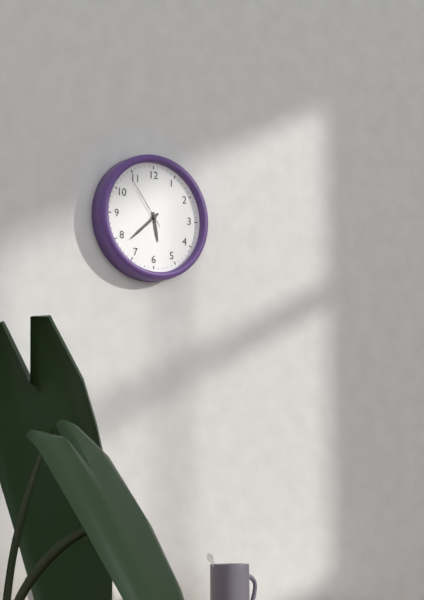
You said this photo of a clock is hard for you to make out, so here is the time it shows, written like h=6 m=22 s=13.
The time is h=5 m=38 s=54
